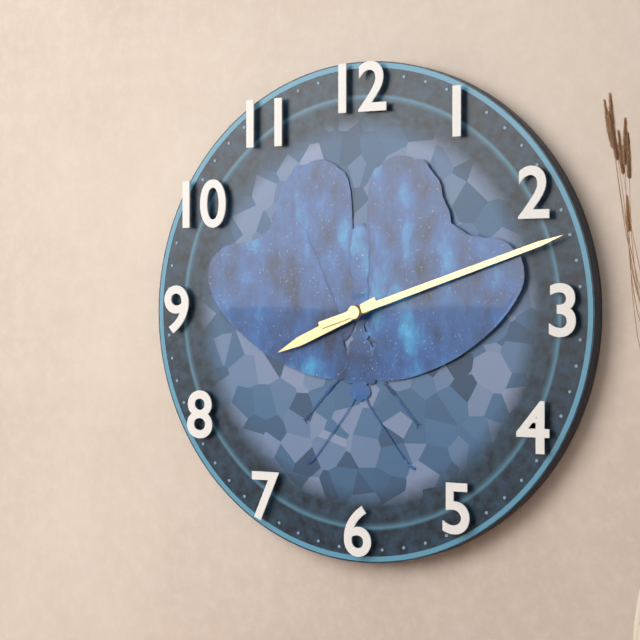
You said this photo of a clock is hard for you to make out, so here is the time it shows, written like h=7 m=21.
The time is h=8 m=12
